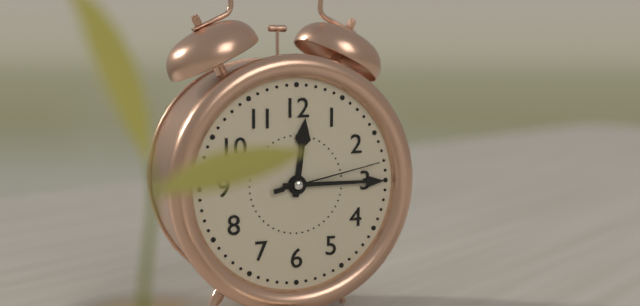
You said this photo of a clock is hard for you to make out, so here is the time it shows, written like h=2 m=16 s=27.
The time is h=12 m=15 s=13
